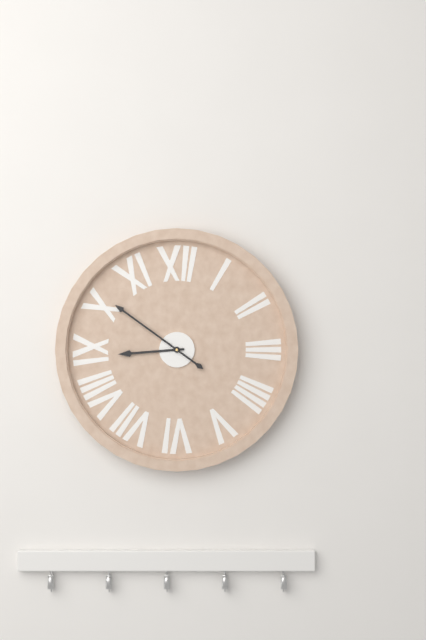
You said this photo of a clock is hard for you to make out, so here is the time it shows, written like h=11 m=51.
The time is h=8 m=51
